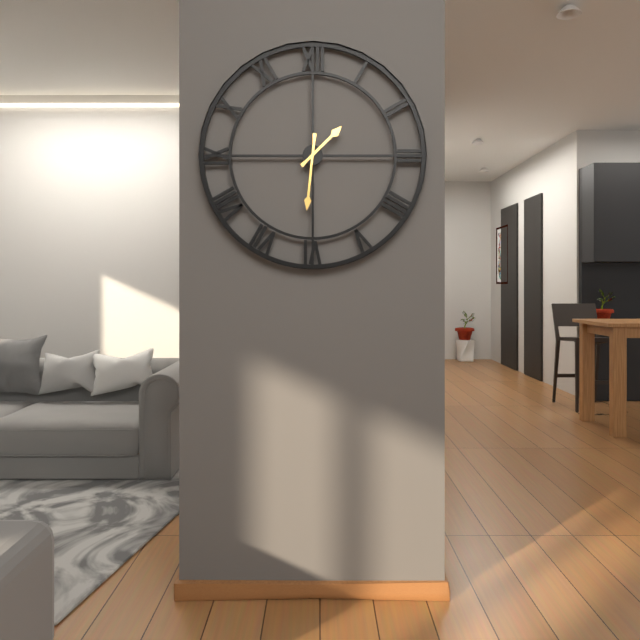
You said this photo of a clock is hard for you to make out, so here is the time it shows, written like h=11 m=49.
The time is h=1 m=31
